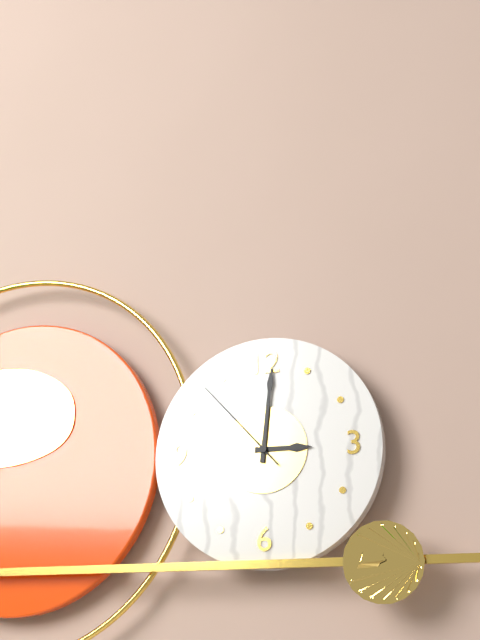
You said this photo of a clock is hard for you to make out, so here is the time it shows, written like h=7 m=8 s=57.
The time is h=3 m=1 s=53
